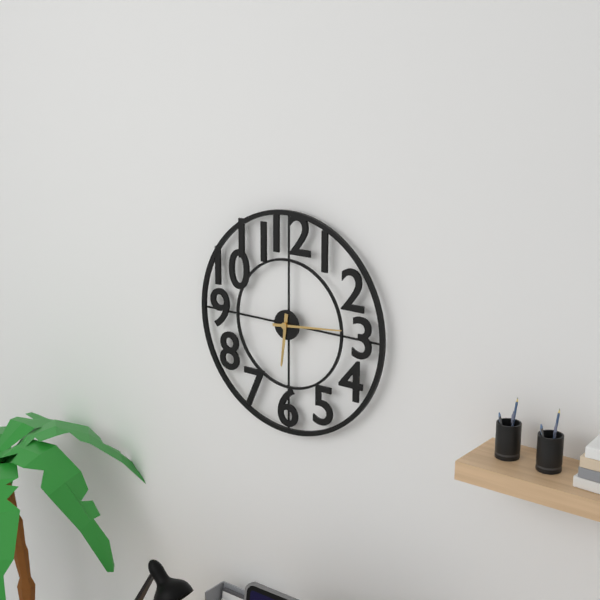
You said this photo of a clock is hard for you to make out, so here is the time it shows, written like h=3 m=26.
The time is h=6 m=14
